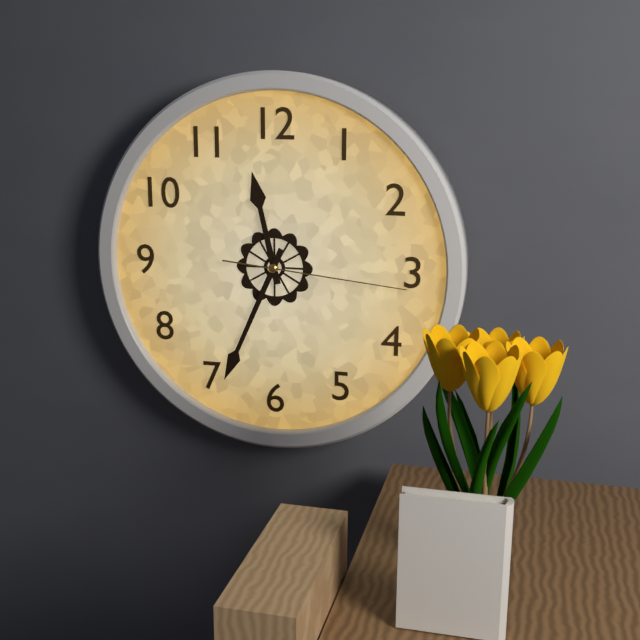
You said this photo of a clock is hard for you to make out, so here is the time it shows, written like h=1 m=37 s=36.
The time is h=11 m=34 s=16
